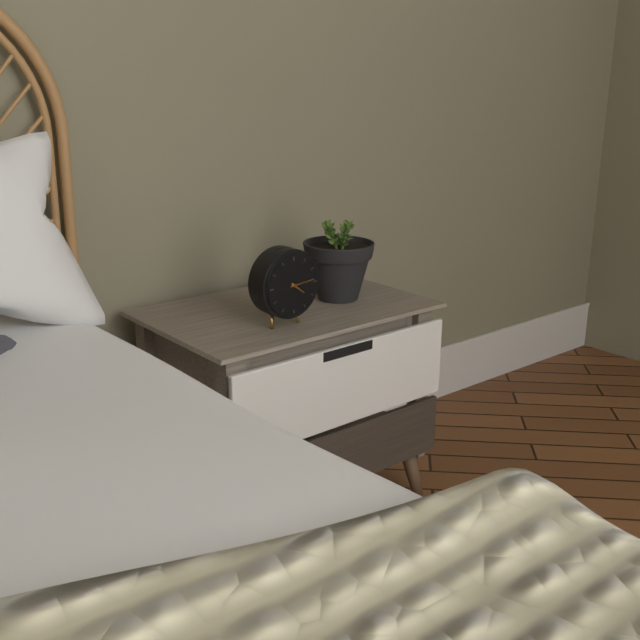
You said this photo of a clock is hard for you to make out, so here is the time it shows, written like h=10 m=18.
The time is h=4 m=14
